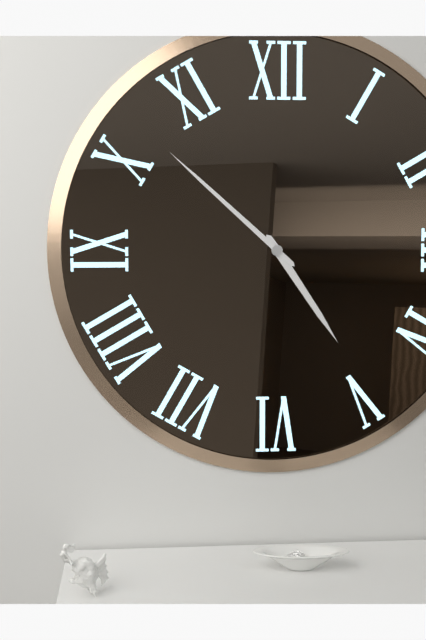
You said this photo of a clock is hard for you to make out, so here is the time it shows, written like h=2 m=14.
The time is h=4 m=52
